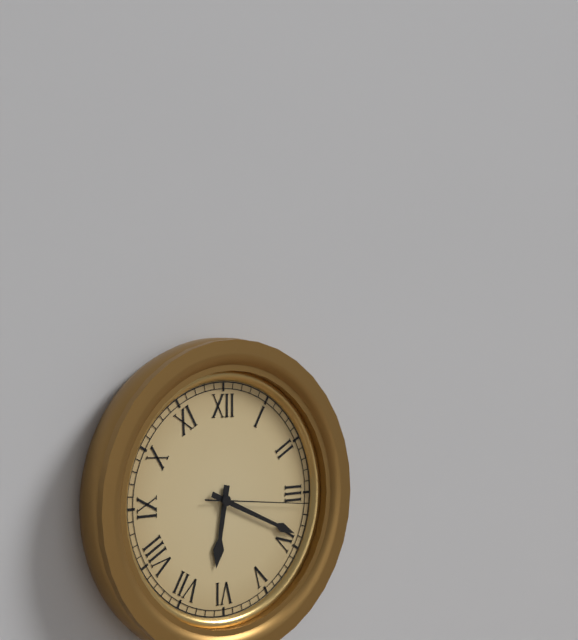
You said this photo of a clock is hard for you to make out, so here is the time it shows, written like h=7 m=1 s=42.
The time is h=6 m=19 s=16
